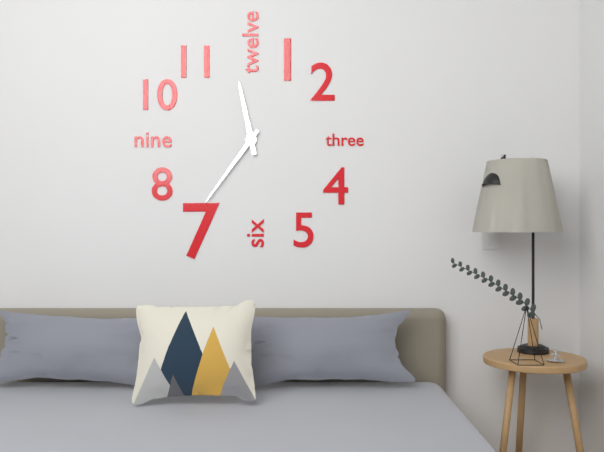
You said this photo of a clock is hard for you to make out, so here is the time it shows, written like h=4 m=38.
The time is h=11 m=36
